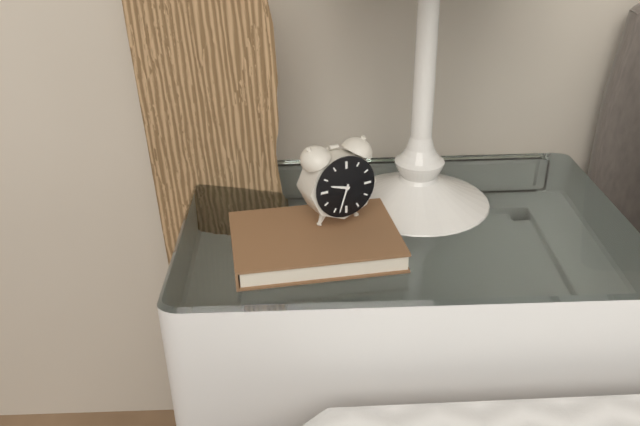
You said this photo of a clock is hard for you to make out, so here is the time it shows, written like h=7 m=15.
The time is h=9 m=33
